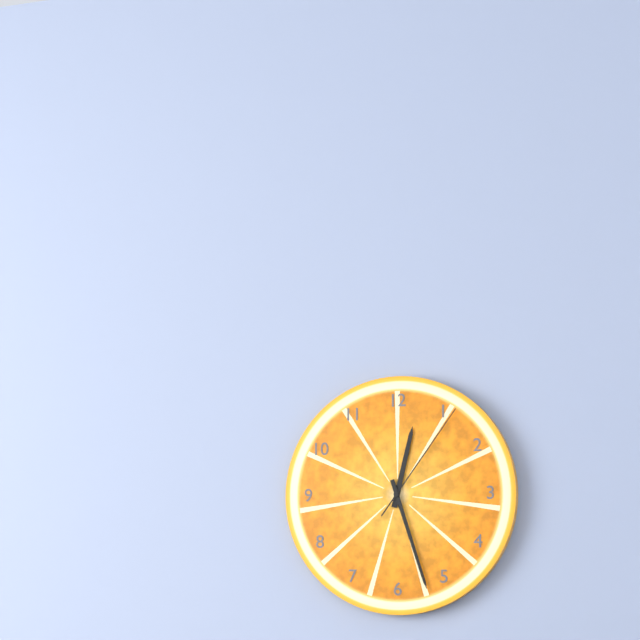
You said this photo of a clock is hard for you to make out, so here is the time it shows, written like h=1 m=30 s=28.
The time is h=12 m=27 s=6
